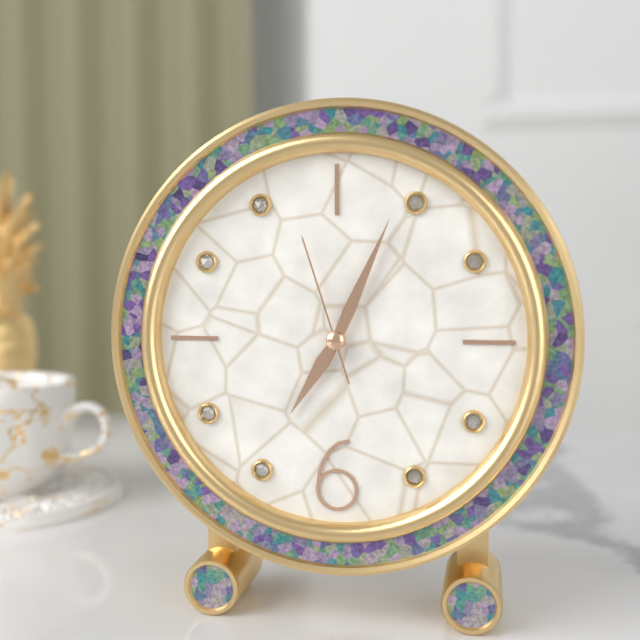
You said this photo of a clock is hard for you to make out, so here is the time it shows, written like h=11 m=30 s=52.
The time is h=7 m=4 s=57
